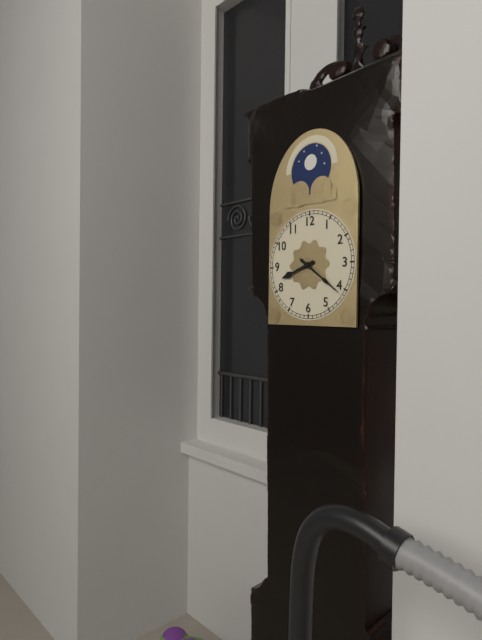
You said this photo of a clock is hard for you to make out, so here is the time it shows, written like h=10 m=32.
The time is h=8 m=21
